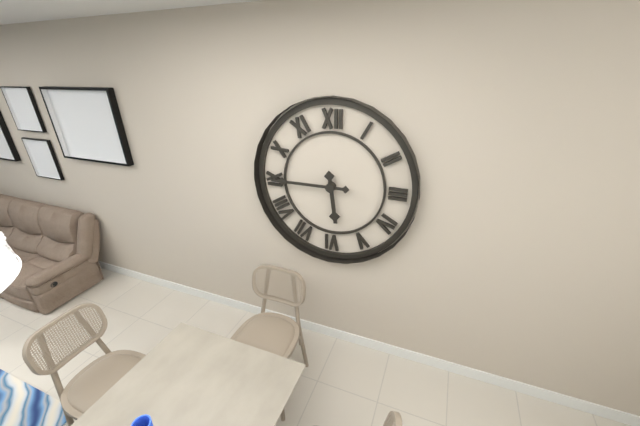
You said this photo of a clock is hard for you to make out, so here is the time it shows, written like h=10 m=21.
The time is h=5 m=45
